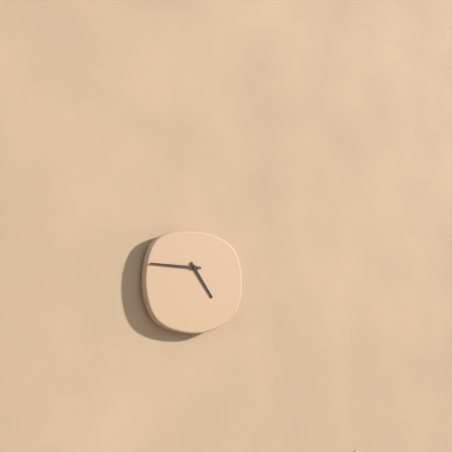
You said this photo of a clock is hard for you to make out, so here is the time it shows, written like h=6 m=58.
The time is h=4 m=45
